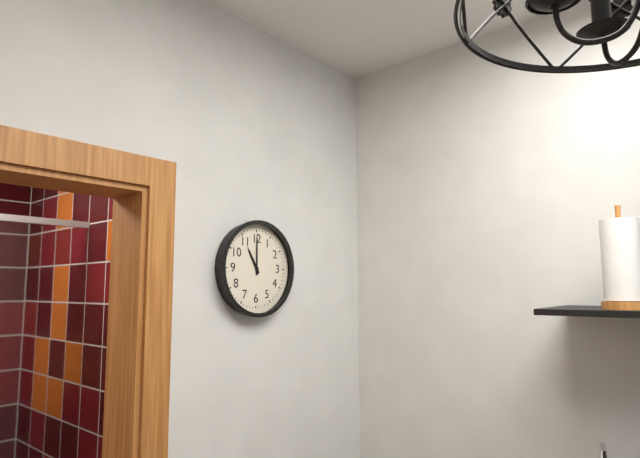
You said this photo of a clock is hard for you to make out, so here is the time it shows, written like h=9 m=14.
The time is h=11 m=0
